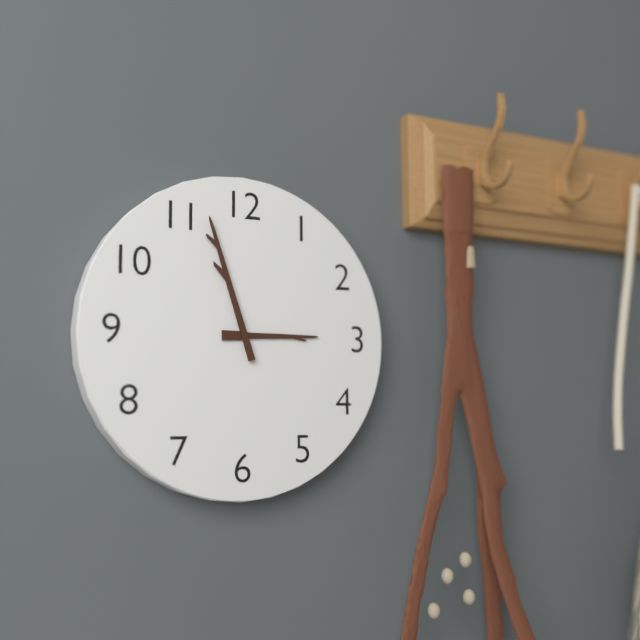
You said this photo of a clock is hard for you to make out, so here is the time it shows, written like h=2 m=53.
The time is h=2 m=57
